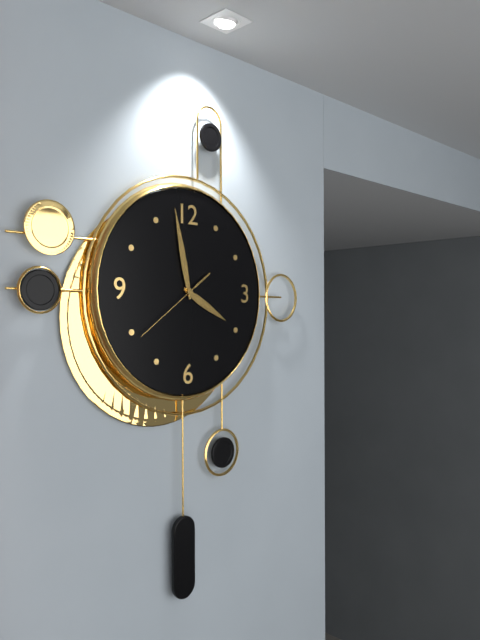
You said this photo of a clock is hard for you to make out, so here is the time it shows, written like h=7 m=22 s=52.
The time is h=3 m=58 s=39
